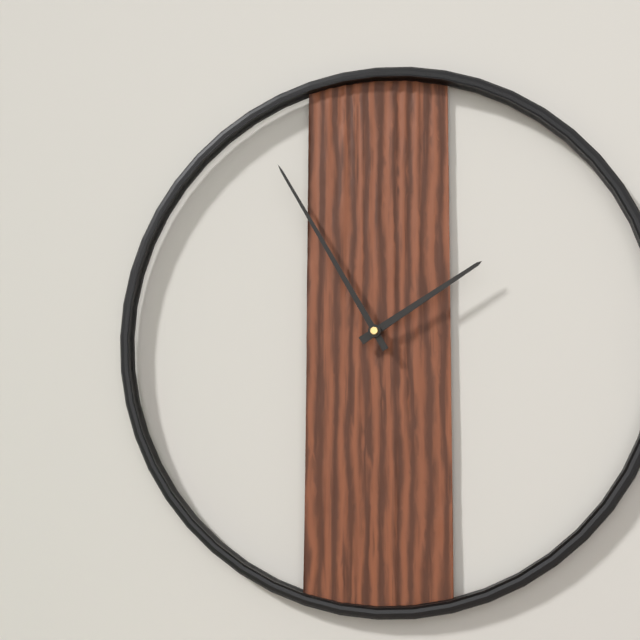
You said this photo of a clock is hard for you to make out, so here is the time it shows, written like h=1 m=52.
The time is h=1 m=55
